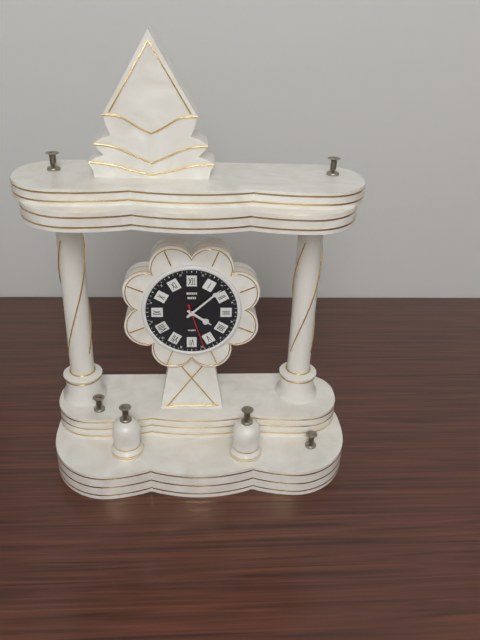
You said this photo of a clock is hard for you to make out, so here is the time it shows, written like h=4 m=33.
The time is h=4 m=8
